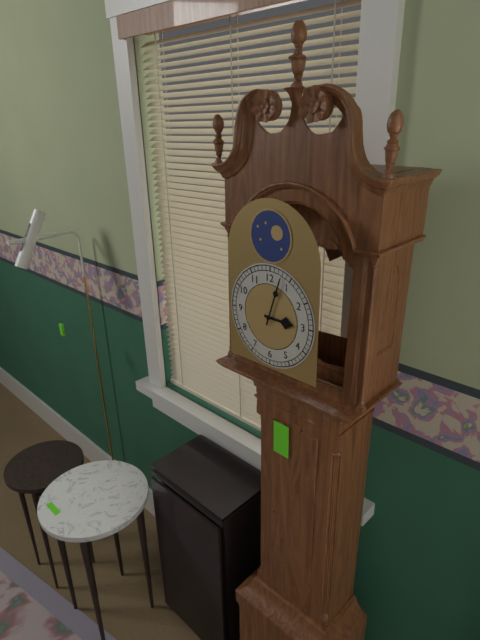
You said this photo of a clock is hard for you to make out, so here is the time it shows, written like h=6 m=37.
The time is h=3 m=3
